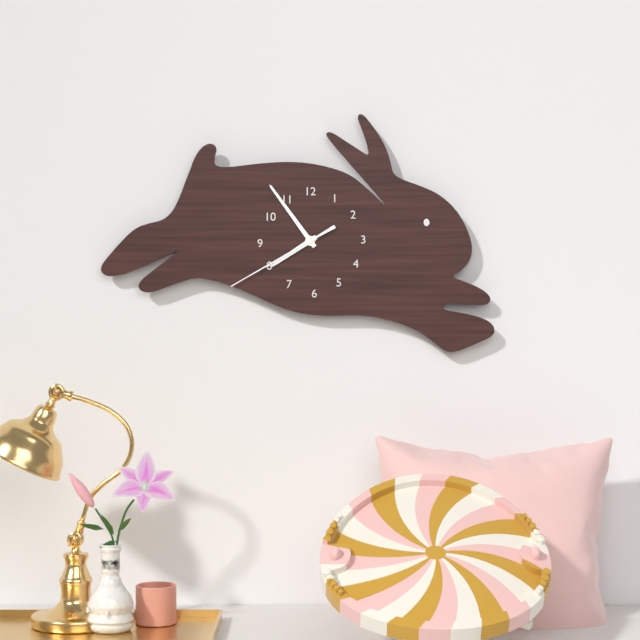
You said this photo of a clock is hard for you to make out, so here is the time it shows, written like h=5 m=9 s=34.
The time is h=7 m=54 s=40
